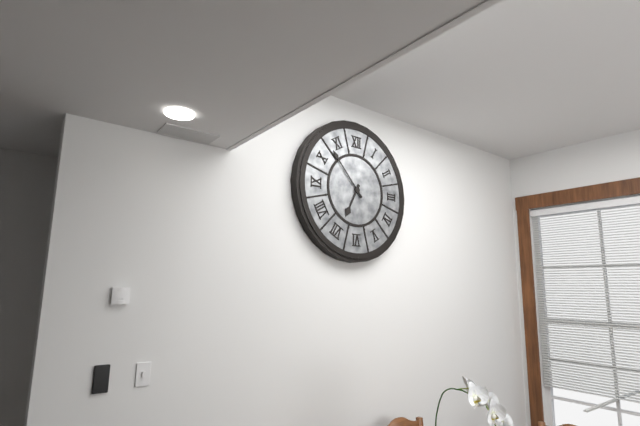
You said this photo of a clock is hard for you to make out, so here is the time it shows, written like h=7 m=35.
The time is h=6 m=53
